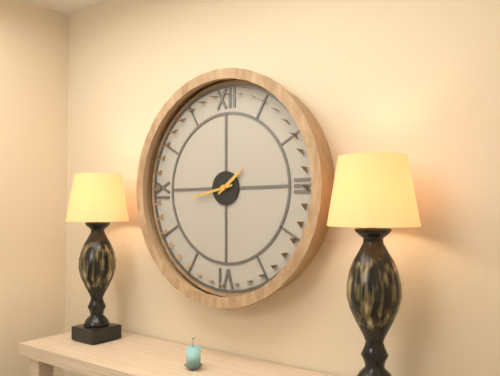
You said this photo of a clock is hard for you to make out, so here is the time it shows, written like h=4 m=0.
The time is h=1 m=43
